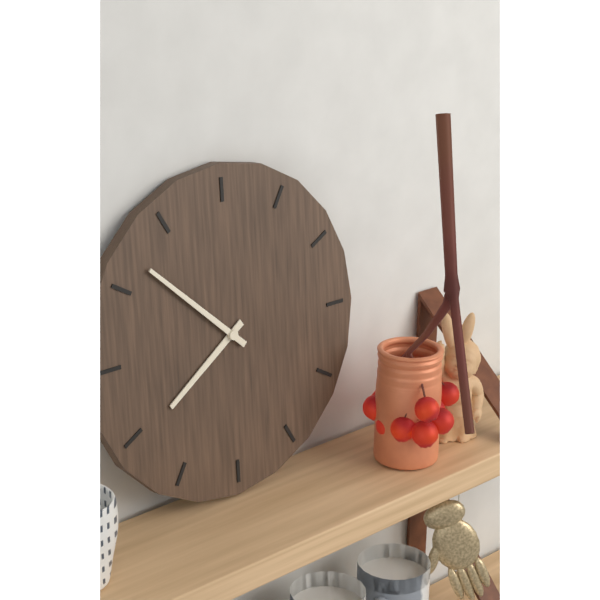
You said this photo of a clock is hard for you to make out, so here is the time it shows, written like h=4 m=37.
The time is h=7 m=52
